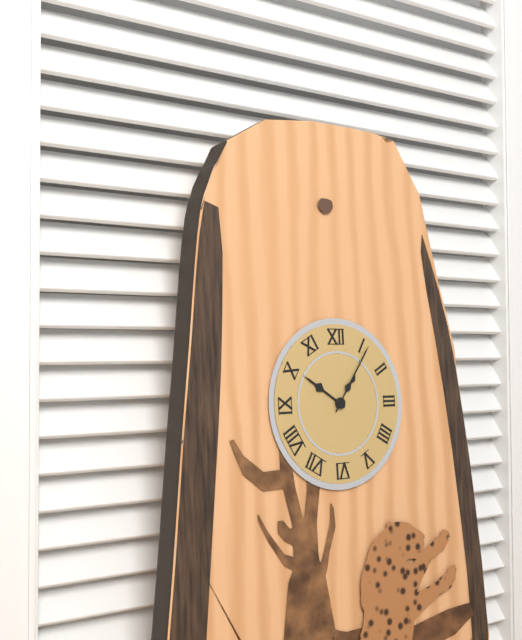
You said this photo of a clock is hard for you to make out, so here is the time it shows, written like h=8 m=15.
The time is h=10 m=6
